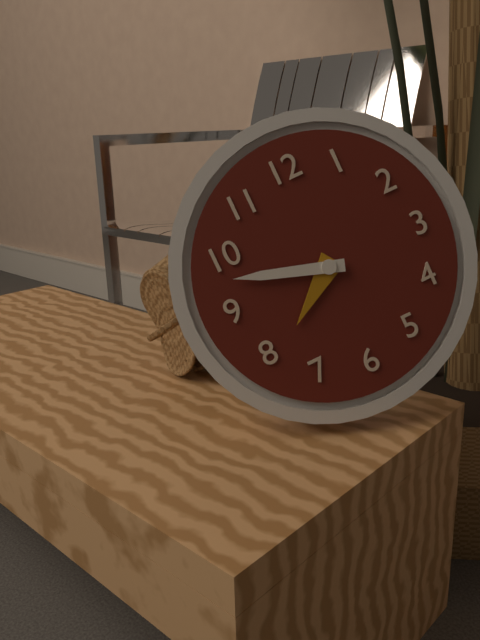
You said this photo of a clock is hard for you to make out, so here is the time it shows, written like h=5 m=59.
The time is h=7 m=48
